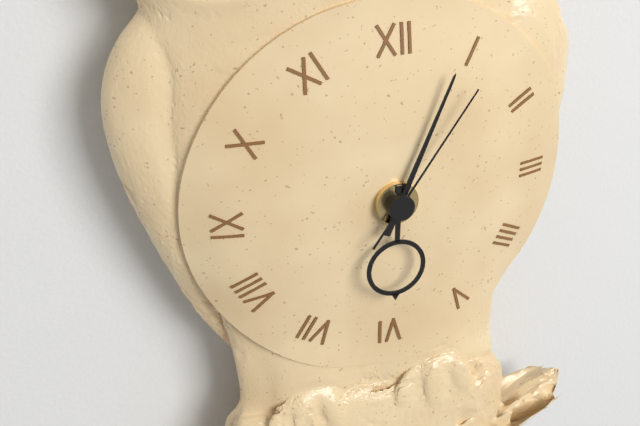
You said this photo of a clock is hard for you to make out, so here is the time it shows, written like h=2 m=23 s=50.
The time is h=6 m=4 s=6
